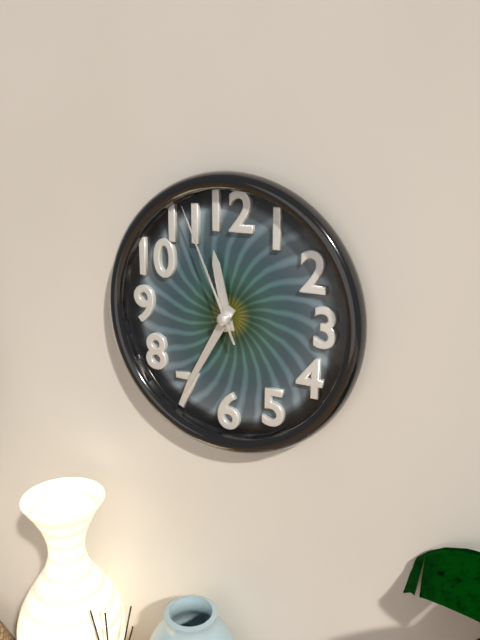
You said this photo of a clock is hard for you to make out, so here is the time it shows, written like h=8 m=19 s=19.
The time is h=11 m=35 s=56
